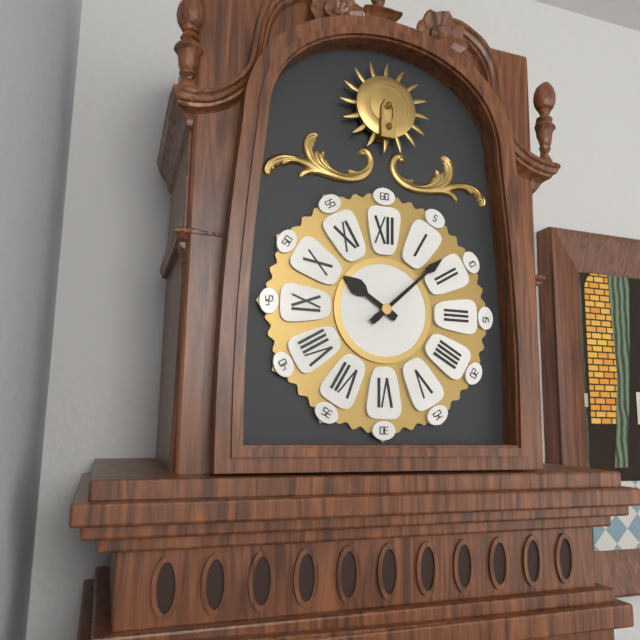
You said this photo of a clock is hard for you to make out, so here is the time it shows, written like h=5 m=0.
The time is h=10 m=8
